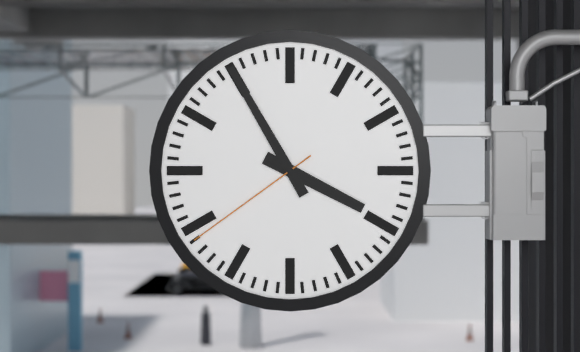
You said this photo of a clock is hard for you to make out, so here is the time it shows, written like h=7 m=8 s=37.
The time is h=3 m=55 s=39
